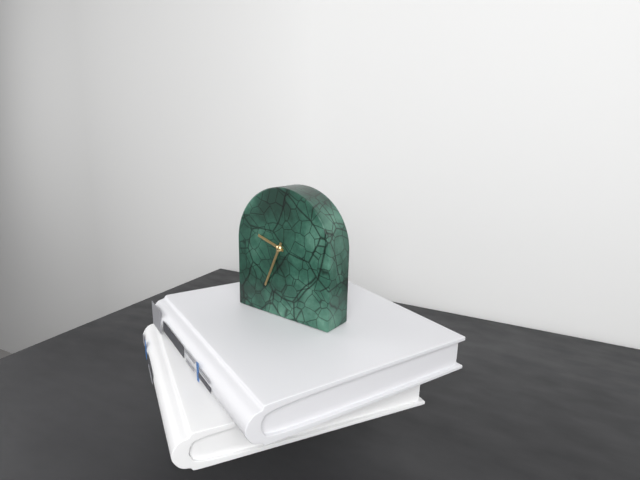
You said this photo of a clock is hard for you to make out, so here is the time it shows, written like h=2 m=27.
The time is h=9 m=34
